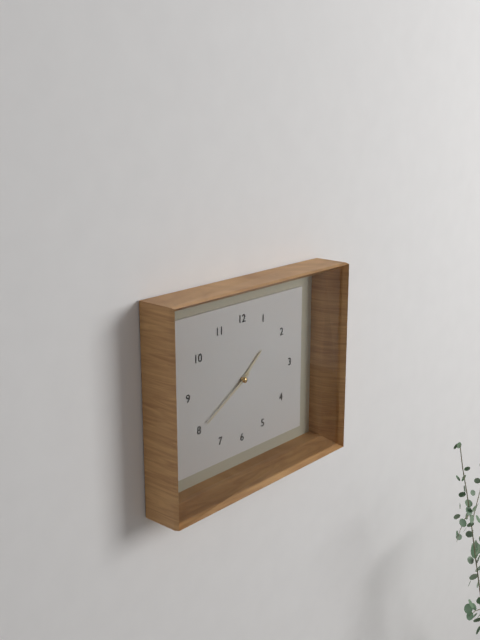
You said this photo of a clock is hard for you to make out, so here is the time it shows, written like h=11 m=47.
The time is h=1 m=40
